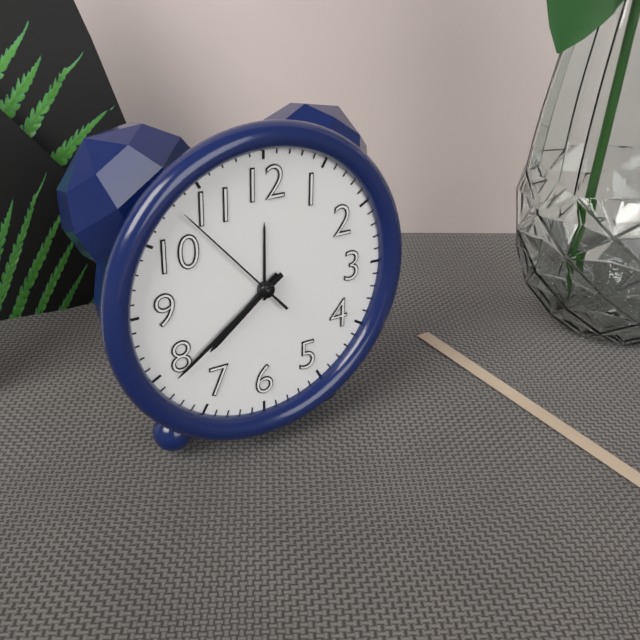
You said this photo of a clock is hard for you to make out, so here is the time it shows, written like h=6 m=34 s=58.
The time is h=7 m=39 s=53
